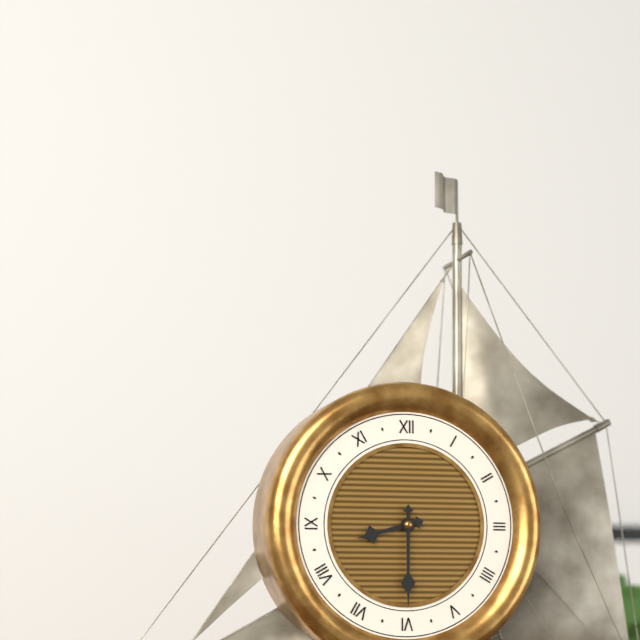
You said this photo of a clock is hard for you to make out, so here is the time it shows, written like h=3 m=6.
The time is h=8 m=30
